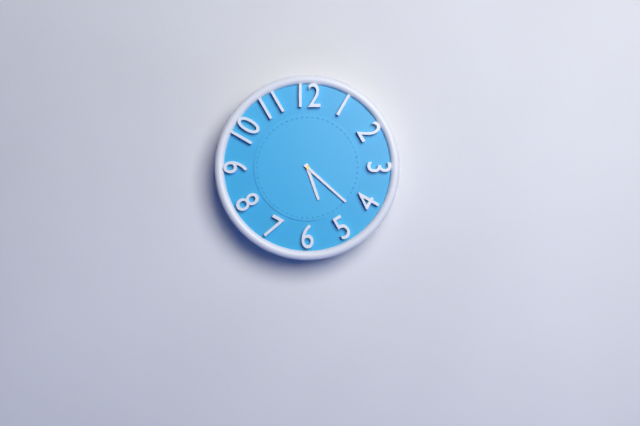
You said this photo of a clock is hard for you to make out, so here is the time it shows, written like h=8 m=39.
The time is h=5 m=22
